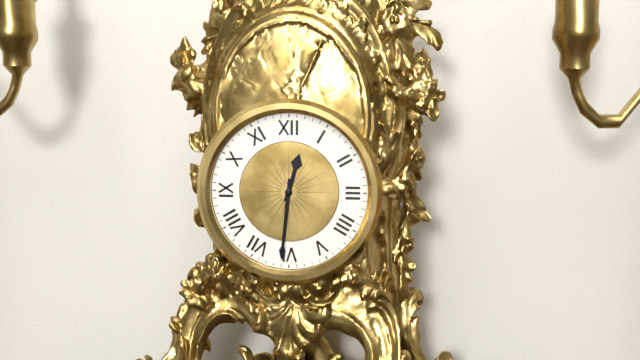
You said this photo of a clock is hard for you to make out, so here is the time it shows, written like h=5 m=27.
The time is h=12 m=31
